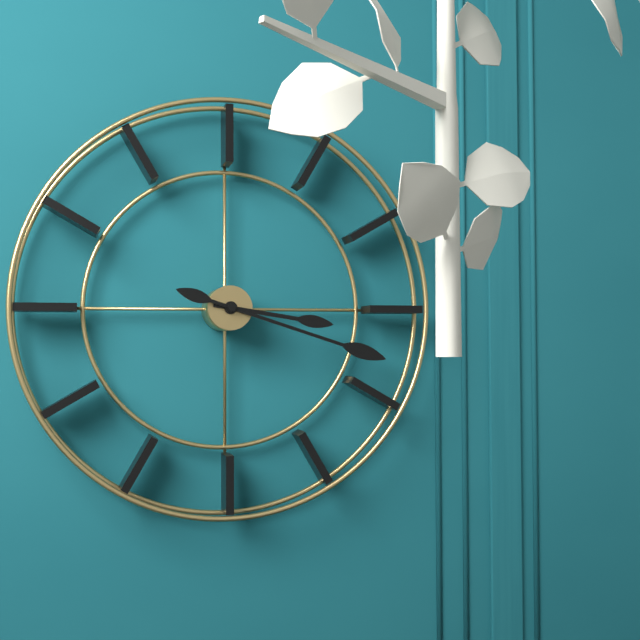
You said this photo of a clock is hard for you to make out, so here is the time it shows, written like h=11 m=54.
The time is h=3 m=18
